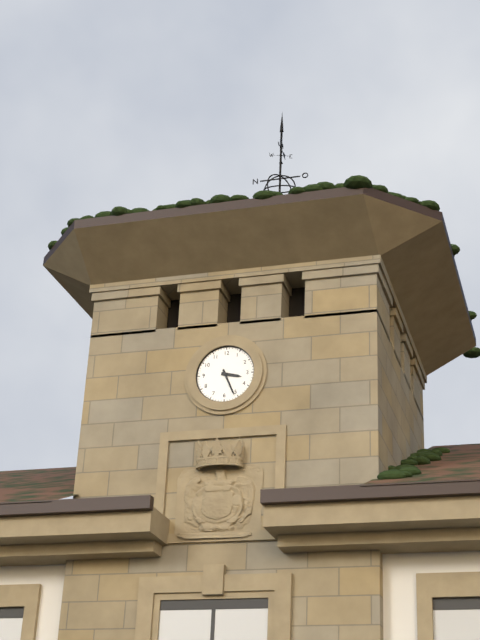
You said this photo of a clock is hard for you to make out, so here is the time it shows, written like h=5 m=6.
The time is h=3 m=26
